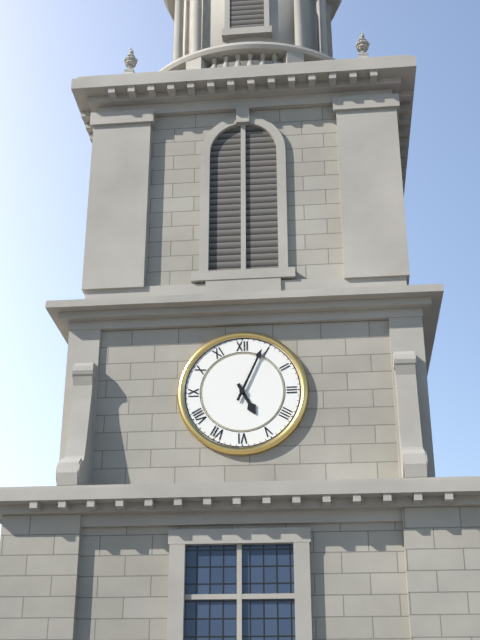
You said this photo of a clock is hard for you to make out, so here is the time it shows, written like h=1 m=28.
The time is h=5 m=4
